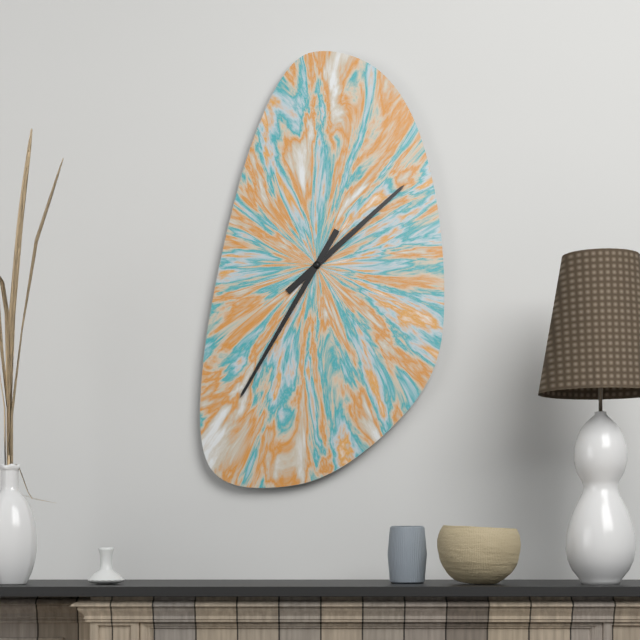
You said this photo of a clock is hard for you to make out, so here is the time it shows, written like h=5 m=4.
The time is h=1 m=35
